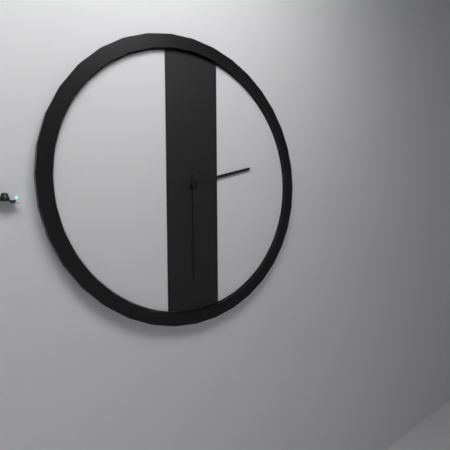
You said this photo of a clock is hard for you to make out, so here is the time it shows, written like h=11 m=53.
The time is h=2 m=30
